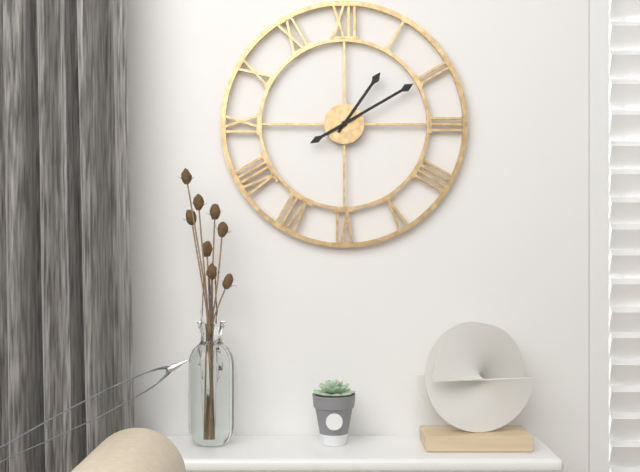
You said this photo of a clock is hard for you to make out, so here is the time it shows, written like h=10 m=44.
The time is h=1 m=10
